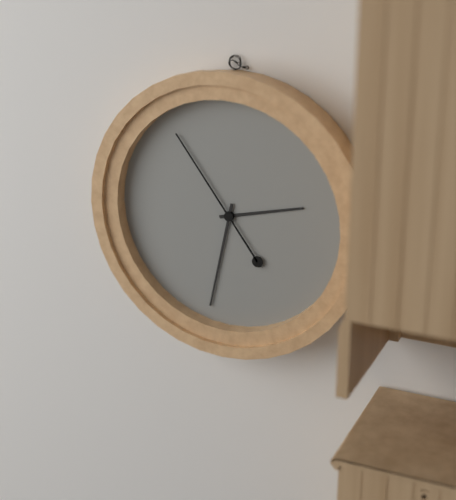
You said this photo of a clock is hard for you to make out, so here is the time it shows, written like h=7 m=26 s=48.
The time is h=2 m=32 s=54
